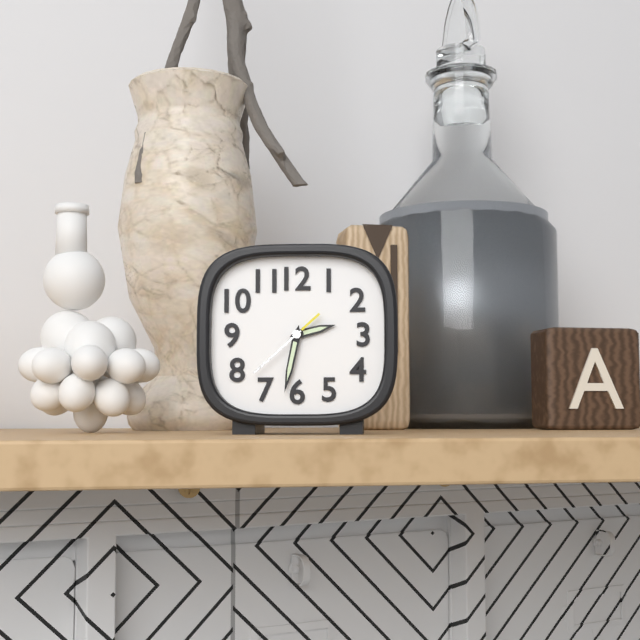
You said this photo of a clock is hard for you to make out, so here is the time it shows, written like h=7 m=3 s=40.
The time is h=2 m=32 s=38
